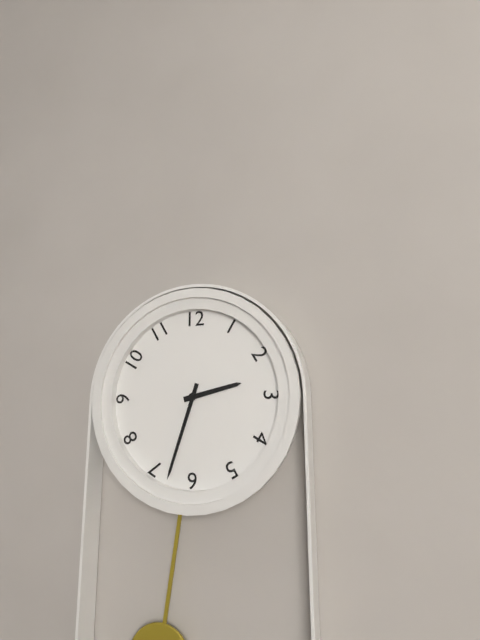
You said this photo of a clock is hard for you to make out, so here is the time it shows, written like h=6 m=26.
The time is h=2 m=33
